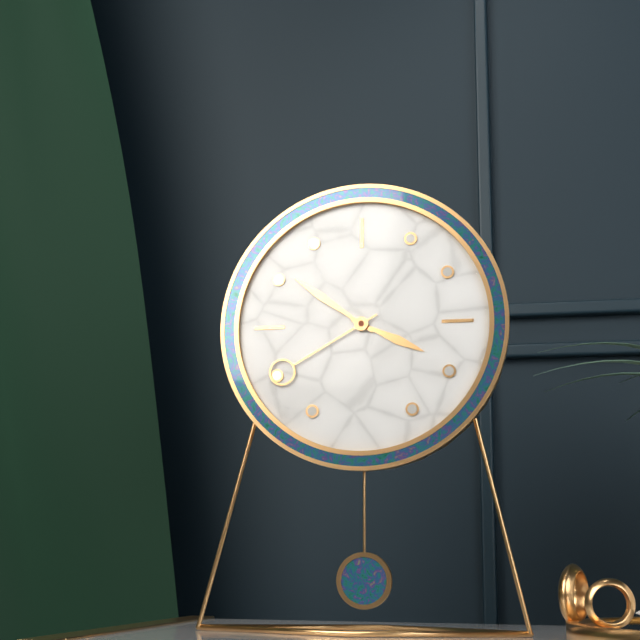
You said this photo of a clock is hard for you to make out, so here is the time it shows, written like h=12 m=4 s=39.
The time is h=3 m=51 s=40
